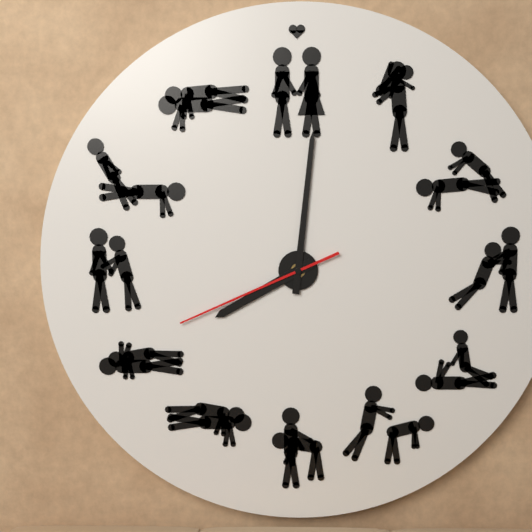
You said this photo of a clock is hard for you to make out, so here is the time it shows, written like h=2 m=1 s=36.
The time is h=8 m=1 s=41
